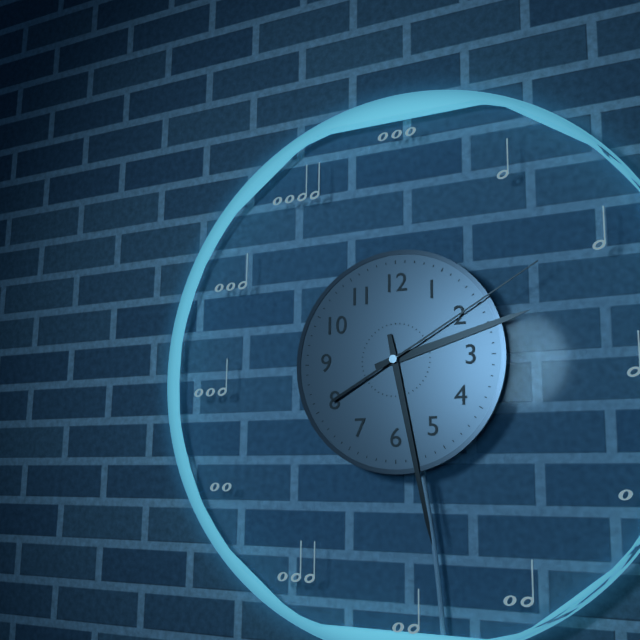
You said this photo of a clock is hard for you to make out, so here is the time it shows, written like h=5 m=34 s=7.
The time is h=2 m=28 s=10
